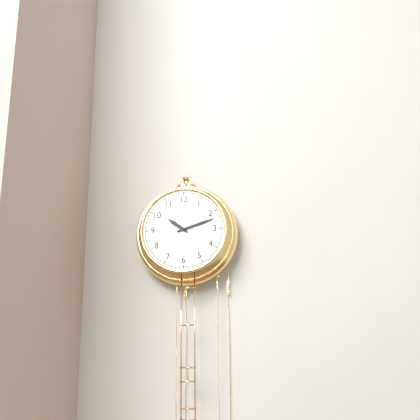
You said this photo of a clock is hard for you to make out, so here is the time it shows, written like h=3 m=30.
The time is h=10 m=12
